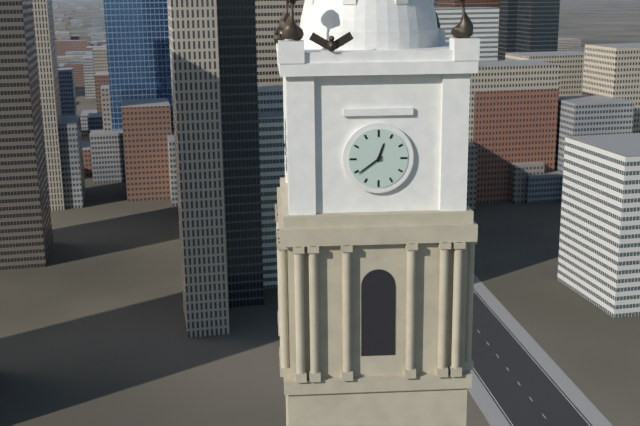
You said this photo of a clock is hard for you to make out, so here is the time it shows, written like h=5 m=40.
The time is h=12 m=39
